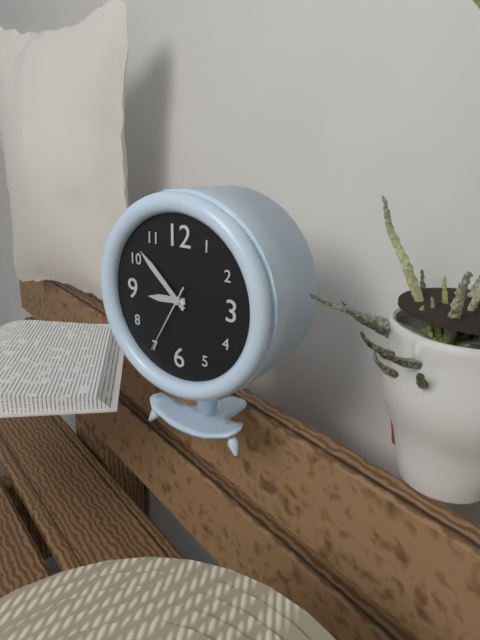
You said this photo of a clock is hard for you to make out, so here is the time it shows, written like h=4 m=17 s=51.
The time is h=8 m=52 s=35
